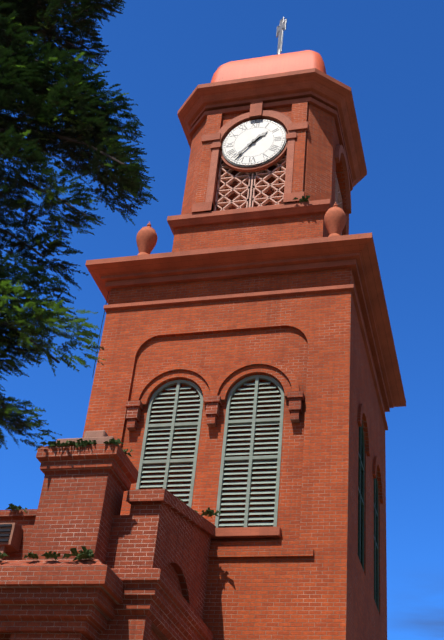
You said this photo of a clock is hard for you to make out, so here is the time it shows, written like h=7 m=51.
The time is h=1 m=37
